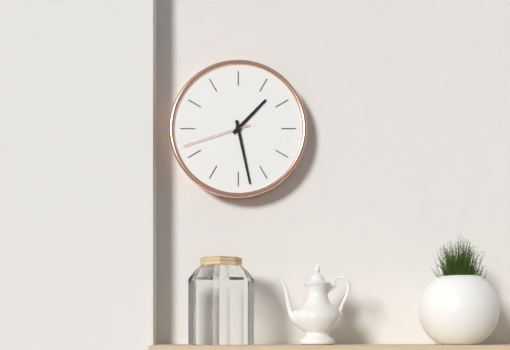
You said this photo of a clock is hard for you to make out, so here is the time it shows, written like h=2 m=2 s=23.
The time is h=1 m=28 s=42
